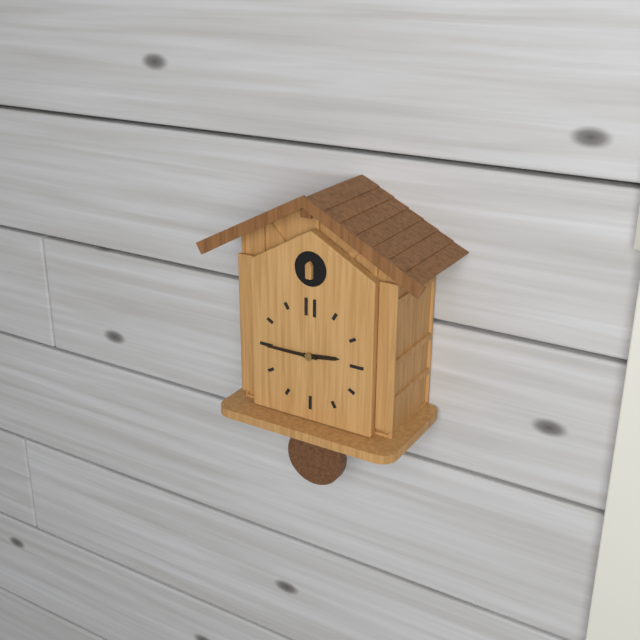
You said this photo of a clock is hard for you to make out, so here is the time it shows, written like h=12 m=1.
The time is h=2 m=45
